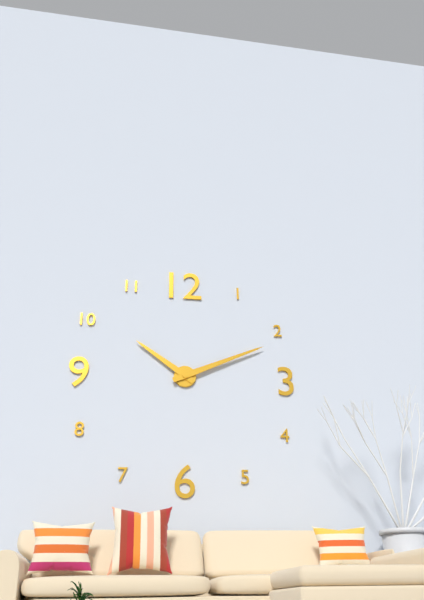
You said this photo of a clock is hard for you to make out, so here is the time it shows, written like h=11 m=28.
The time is h=10 m=11
